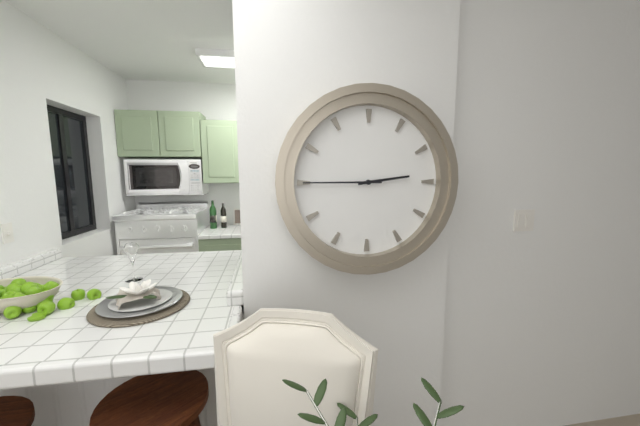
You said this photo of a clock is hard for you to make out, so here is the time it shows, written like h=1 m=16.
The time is h=2 m=45
